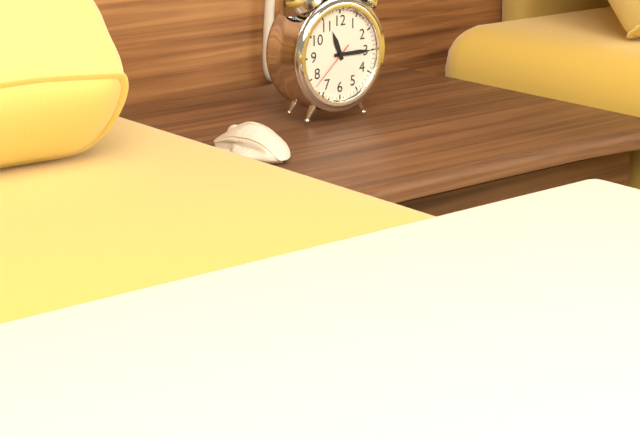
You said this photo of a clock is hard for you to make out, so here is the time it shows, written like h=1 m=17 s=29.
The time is h=11 m=15 s=38
